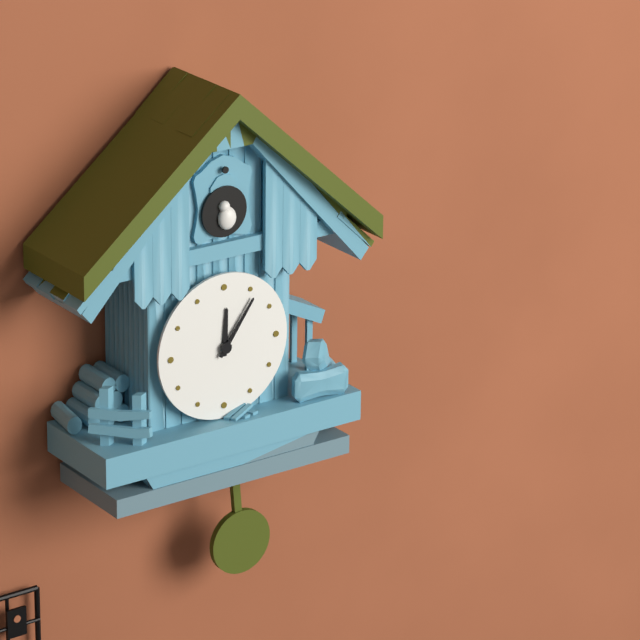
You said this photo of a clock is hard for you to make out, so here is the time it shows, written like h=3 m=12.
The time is h=12 m=6
